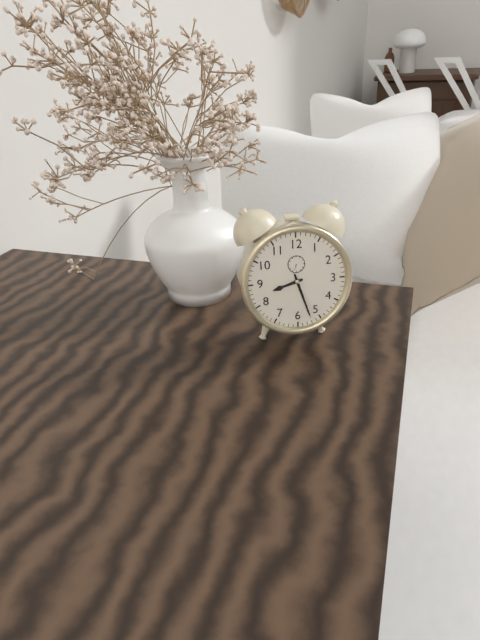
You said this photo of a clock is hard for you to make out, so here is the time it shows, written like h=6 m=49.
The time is h=8 m=27
